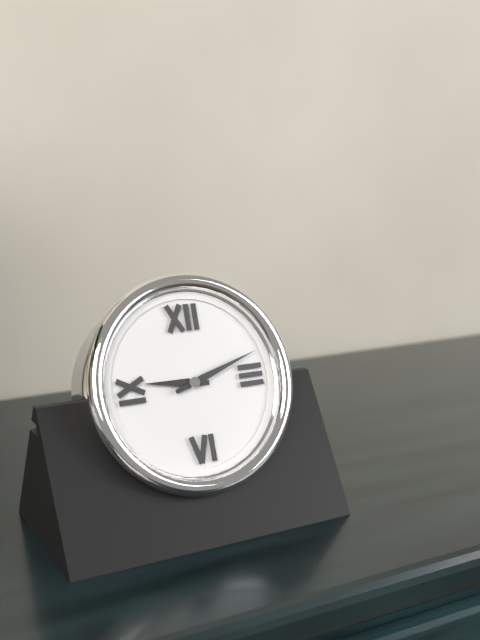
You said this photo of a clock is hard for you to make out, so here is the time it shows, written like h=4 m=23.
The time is h=9 m=12
